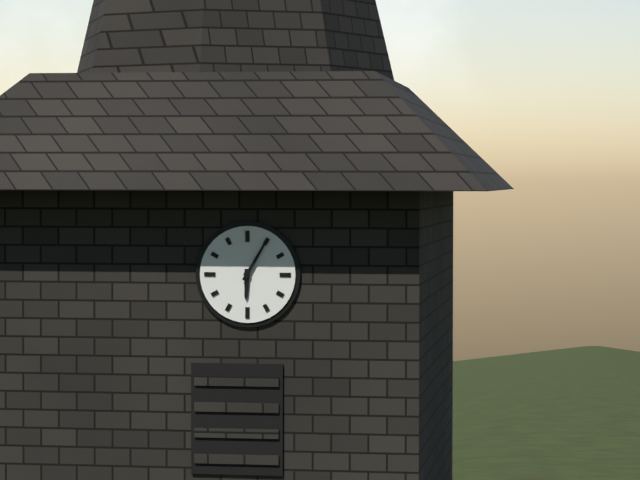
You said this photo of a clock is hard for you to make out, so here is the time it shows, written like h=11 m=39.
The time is h=6 m=5
